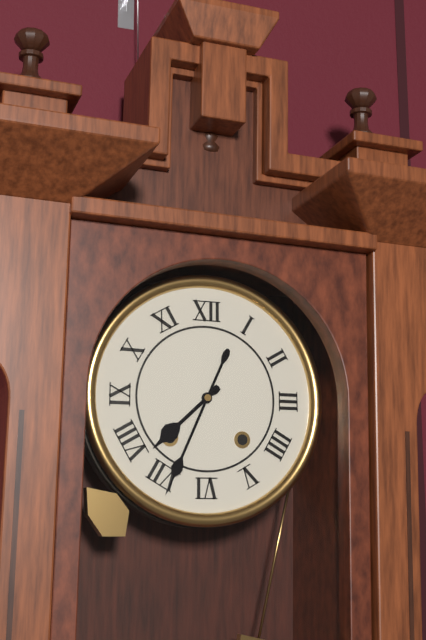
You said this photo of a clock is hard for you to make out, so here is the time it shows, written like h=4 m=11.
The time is h=7 m=34
